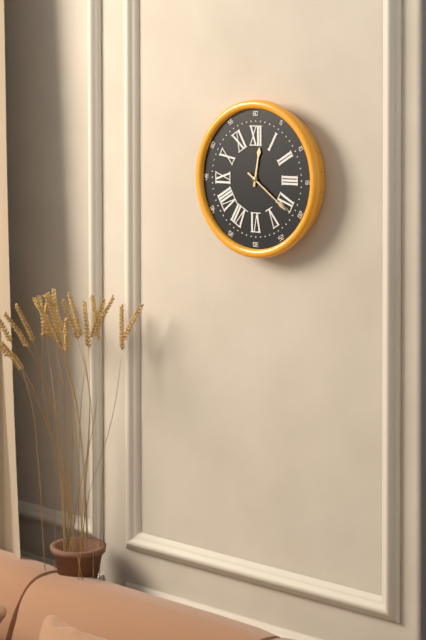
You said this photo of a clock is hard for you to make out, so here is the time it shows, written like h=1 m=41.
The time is h=12 m=21
